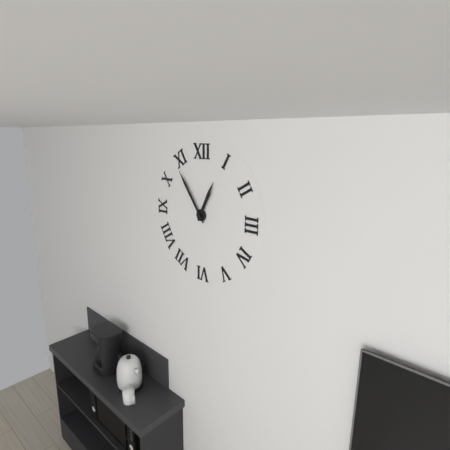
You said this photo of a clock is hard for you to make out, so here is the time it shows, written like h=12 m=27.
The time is h=12 m=54
